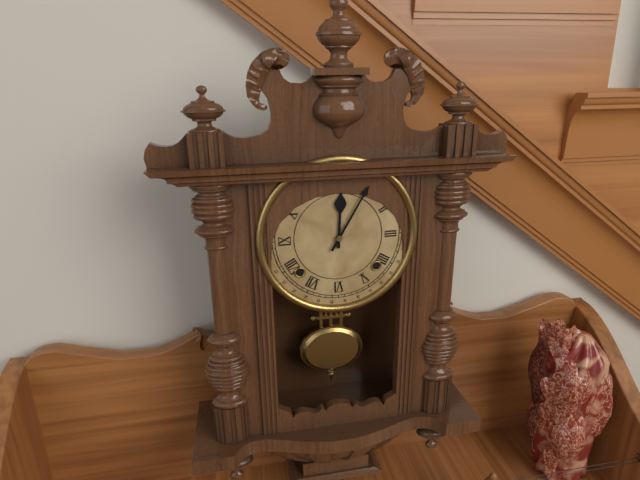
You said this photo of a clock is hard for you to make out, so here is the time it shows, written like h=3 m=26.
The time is h=12 m=5
